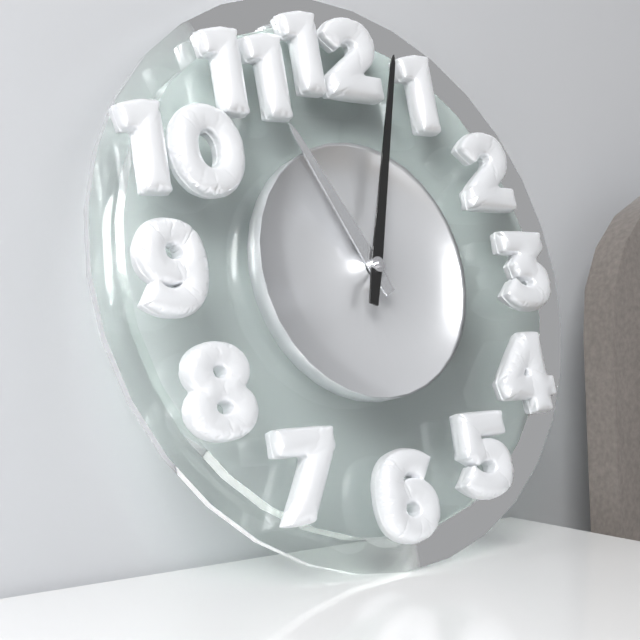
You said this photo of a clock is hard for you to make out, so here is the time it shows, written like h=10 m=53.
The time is h=11 m=3
